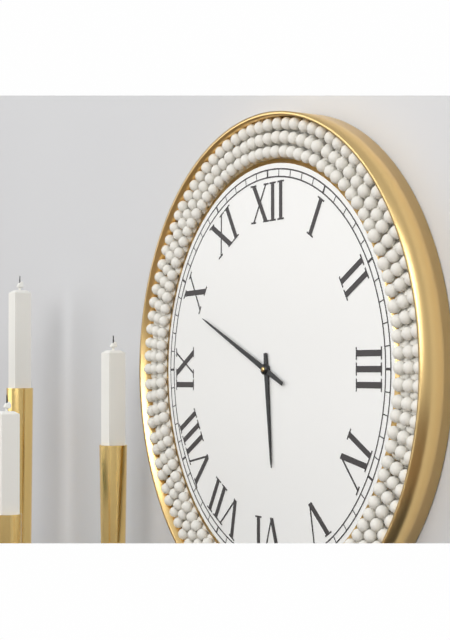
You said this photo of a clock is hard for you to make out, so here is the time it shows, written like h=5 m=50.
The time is h=5 m=49
